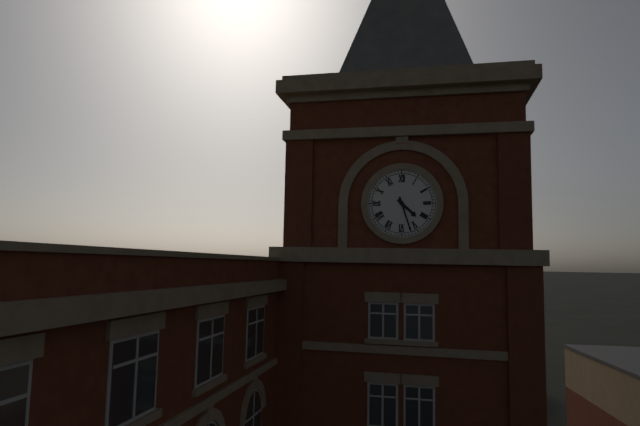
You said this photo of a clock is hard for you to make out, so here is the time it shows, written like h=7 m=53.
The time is h=4 m=27
